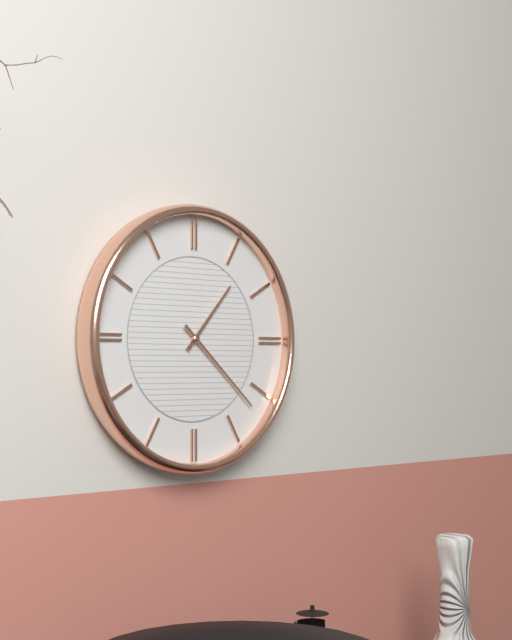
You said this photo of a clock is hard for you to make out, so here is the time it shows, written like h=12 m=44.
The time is h=1 m=22
